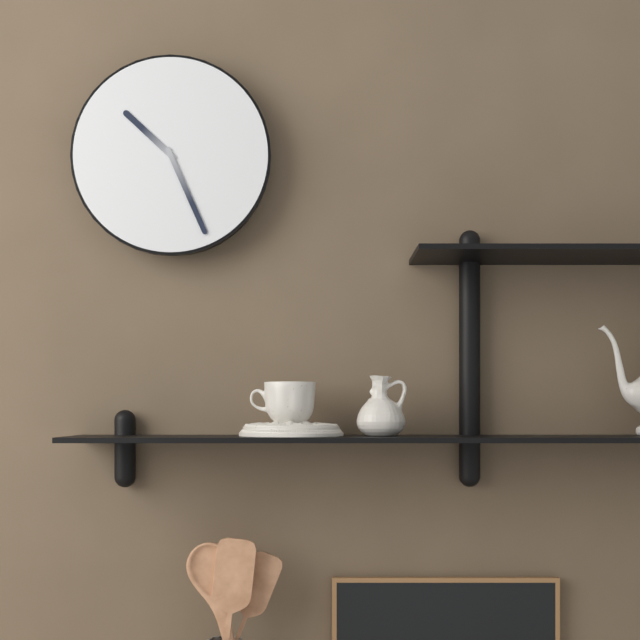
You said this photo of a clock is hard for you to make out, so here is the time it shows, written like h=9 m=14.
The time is h=10 m=26
